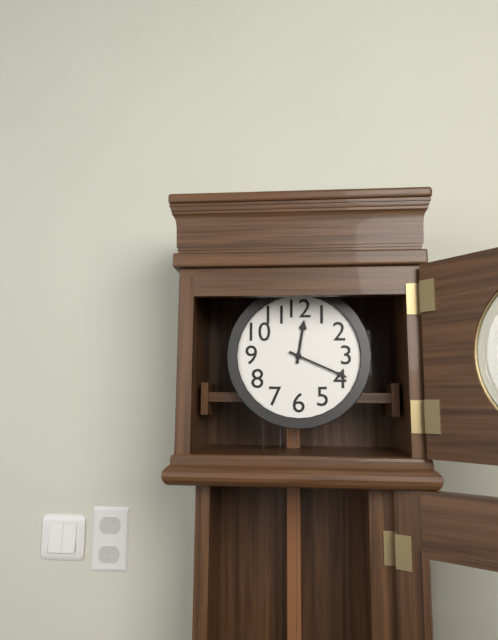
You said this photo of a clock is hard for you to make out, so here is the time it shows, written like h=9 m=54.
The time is h=12 m=19
